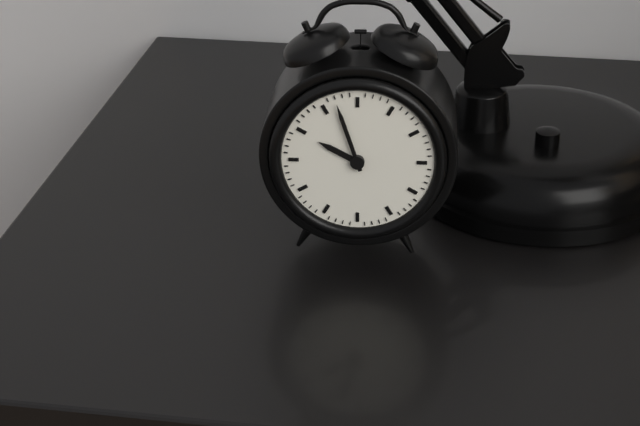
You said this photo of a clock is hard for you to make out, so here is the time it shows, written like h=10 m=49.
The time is h=9 m=57
